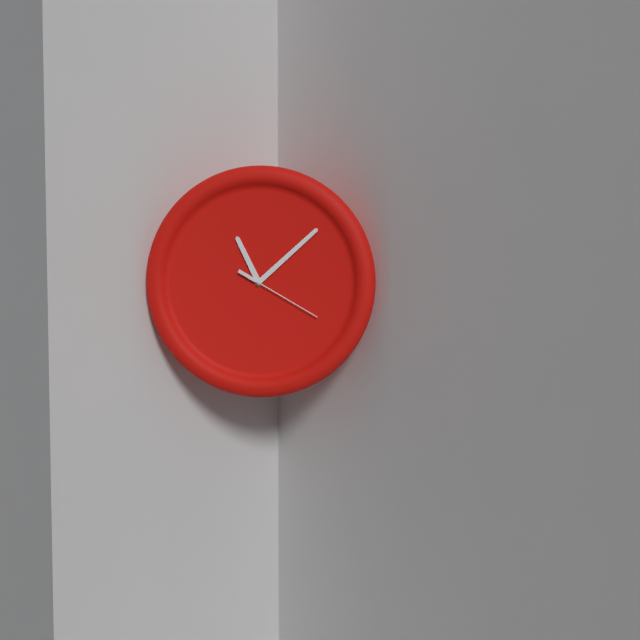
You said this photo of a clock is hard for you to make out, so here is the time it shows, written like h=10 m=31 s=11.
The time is h=11 m=8 s=20
